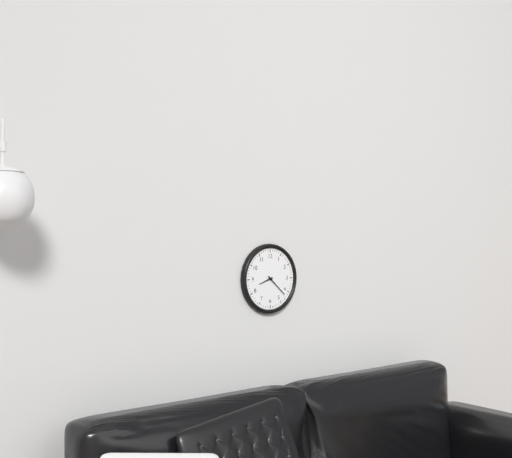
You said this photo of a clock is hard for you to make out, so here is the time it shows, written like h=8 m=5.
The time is h=8 m=22
